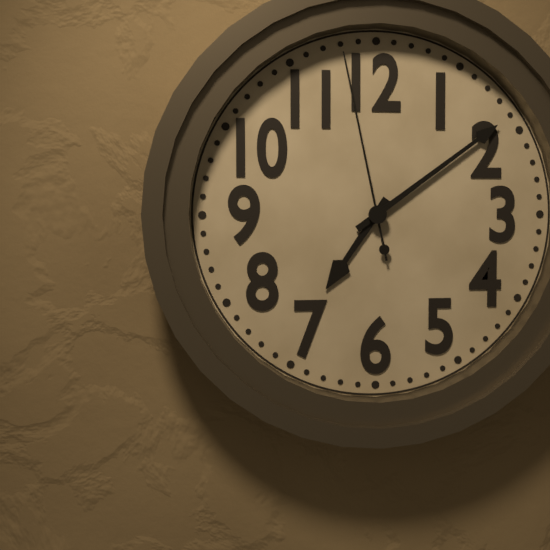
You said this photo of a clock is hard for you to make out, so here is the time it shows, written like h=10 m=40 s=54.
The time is h=7 m=9 s=58
